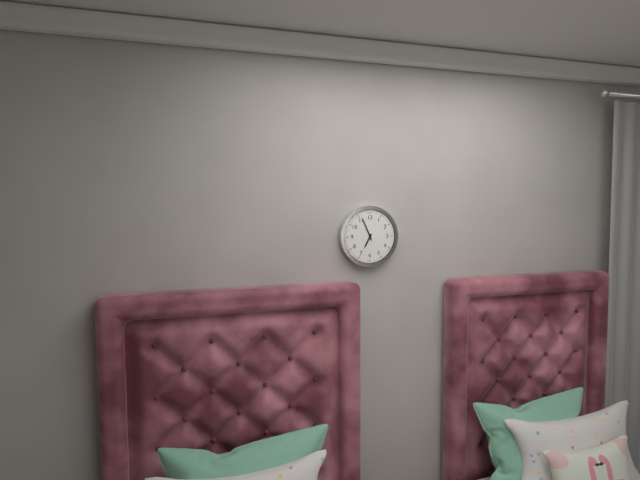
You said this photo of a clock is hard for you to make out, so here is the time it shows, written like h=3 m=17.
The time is h=6 m=56
